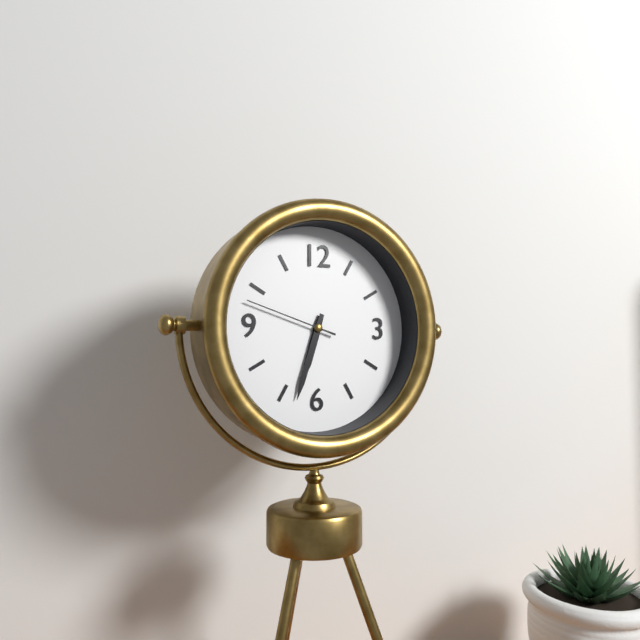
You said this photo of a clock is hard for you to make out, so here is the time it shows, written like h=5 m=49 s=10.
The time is h=6 m=33 s=48
